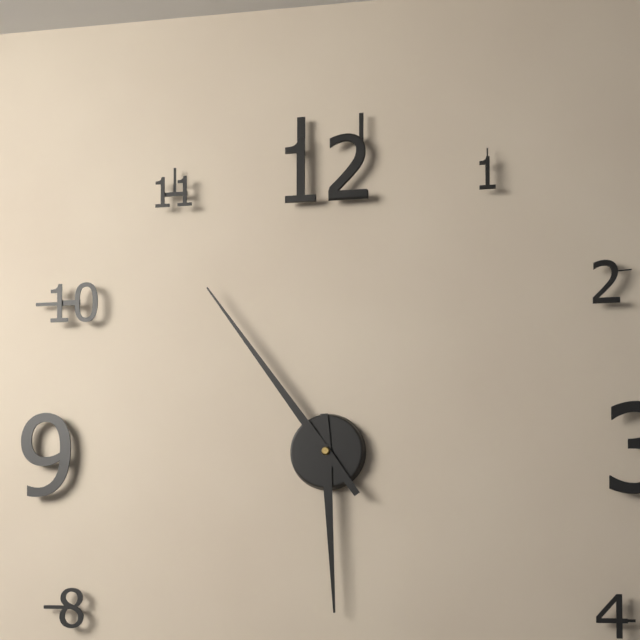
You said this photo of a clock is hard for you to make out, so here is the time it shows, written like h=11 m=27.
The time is h=5 m=54
